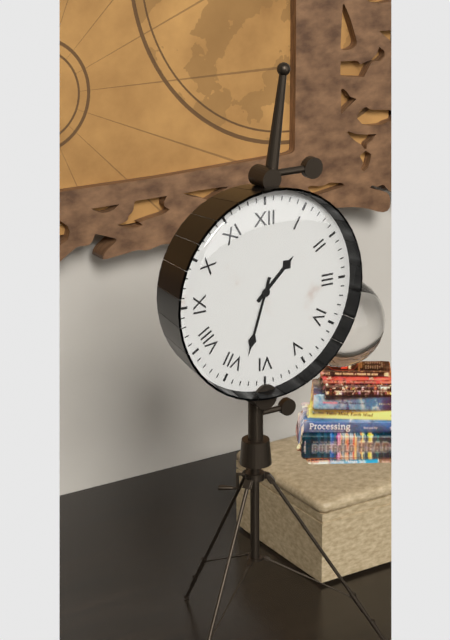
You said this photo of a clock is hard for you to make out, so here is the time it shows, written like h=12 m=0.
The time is h=1 m=33
